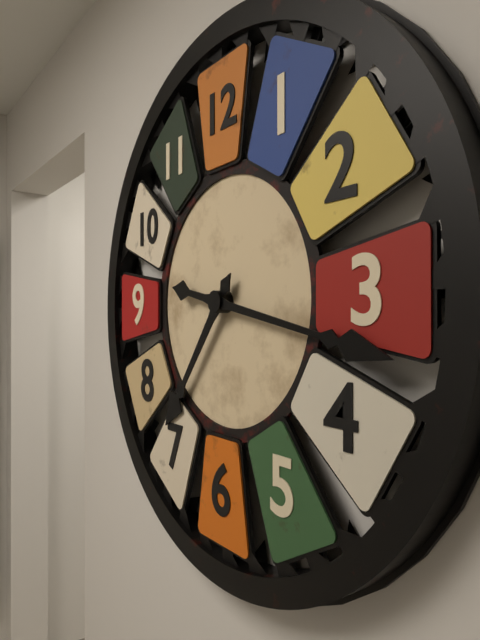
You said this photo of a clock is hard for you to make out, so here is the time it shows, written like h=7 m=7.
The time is h=7 m=17
